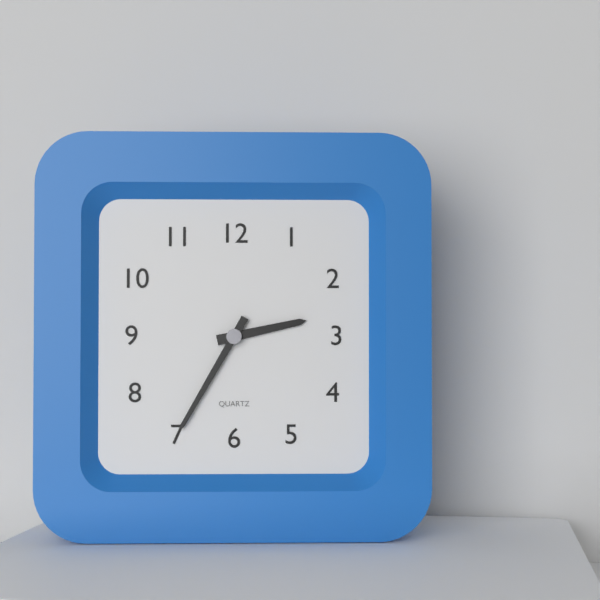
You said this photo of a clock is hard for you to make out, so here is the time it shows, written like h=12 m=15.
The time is h=2 m=35
